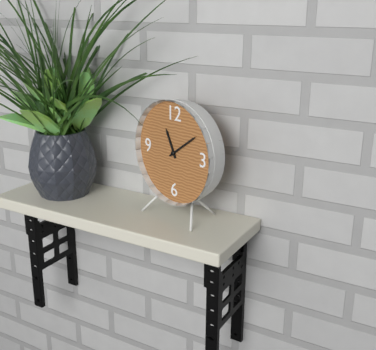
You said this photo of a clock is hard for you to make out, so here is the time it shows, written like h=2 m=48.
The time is h=11 m=9
